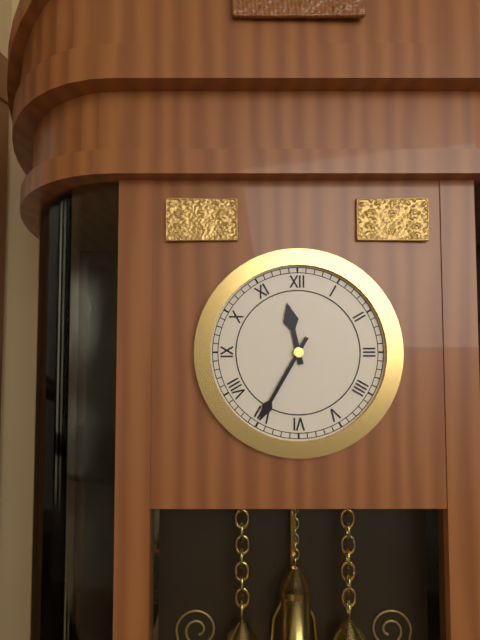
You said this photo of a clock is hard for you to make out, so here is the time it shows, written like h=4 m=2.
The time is h=11 m=35
